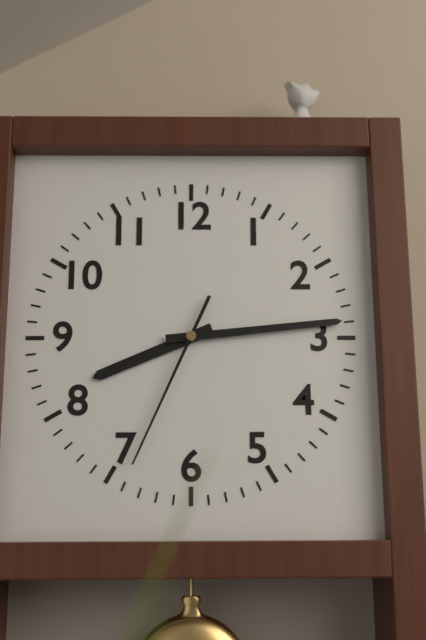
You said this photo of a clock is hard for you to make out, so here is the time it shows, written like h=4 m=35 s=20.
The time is h=8 m=14 s=34
